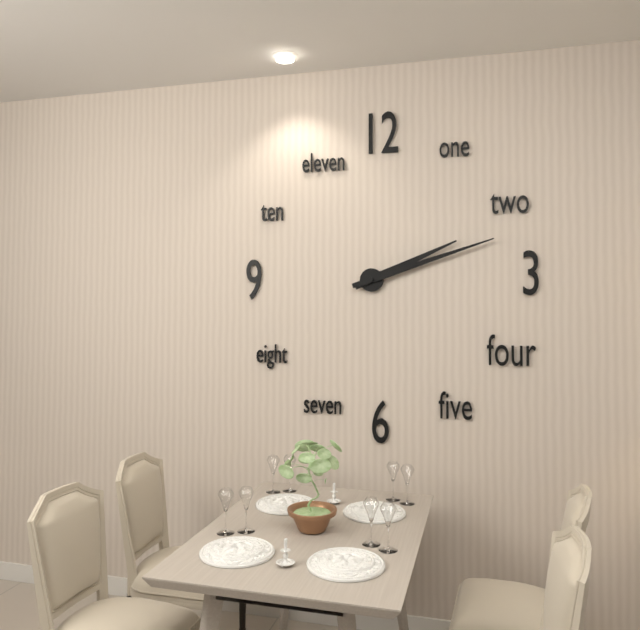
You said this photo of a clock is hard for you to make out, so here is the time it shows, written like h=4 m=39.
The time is h=2 m=12
